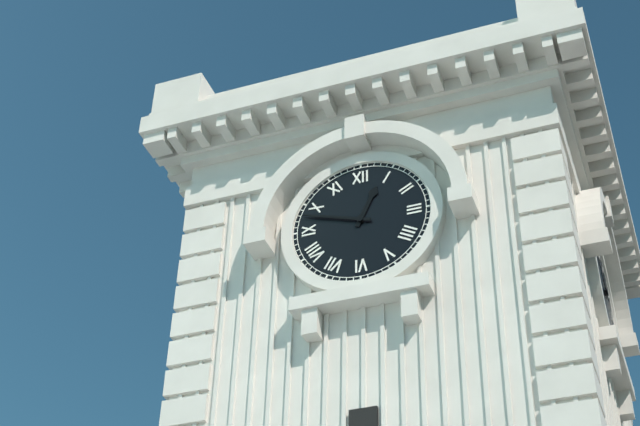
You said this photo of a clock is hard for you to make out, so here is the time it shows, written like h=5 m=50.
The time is h=12 m=48
